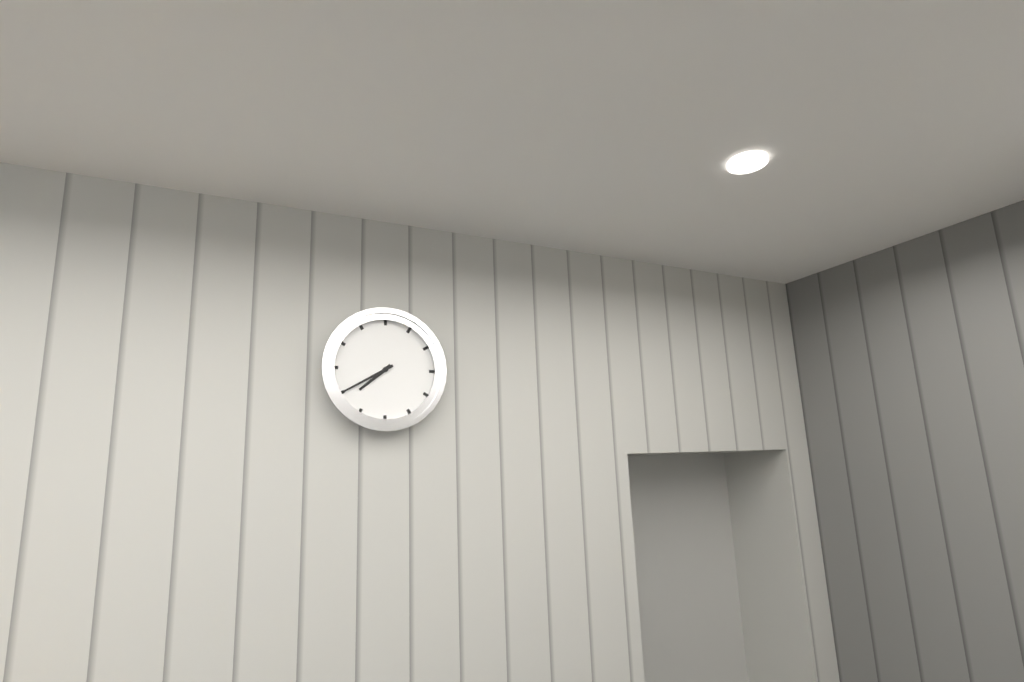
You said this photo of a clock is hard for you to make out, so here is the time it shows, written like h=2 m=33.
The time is h=7 m=40
